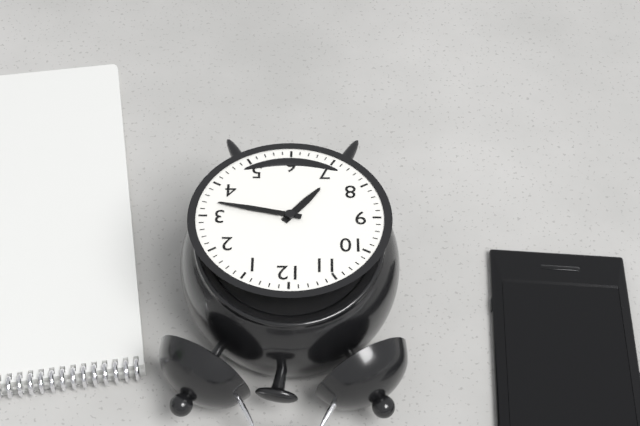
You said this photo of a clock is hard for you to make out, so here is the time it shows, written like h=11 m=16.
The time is h=7 m=17
